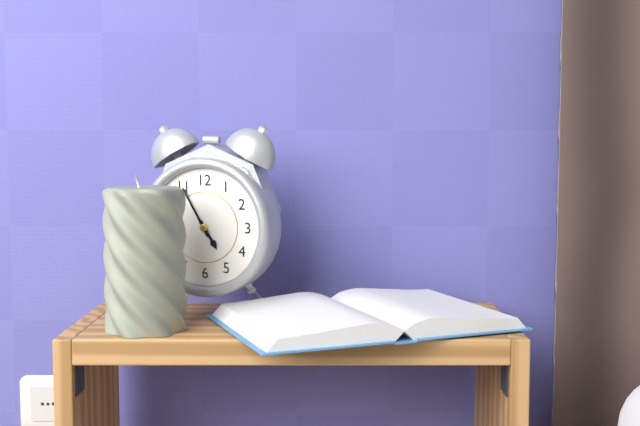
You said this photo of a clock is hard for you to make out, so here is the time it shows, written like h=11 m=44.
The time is h=4 m=55
